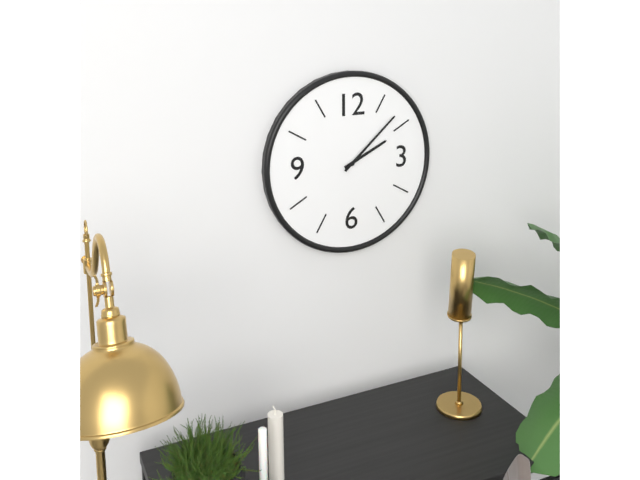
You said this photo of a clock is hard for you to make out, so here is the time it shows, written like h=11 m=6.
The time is h=2 m=8
